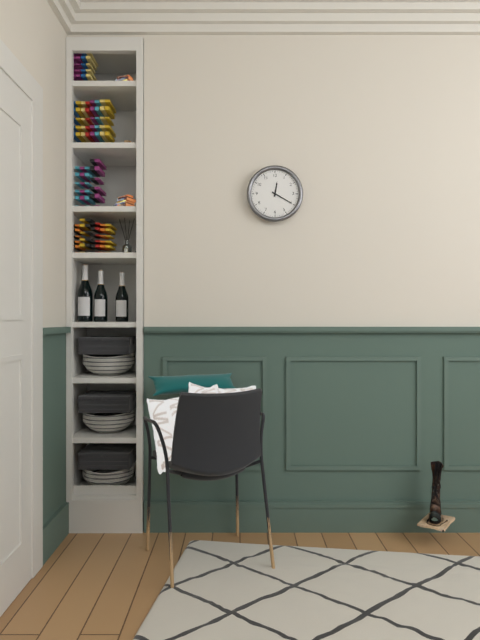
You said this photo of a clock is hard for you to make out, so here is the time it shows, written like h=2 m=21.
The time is h=12 m=20
